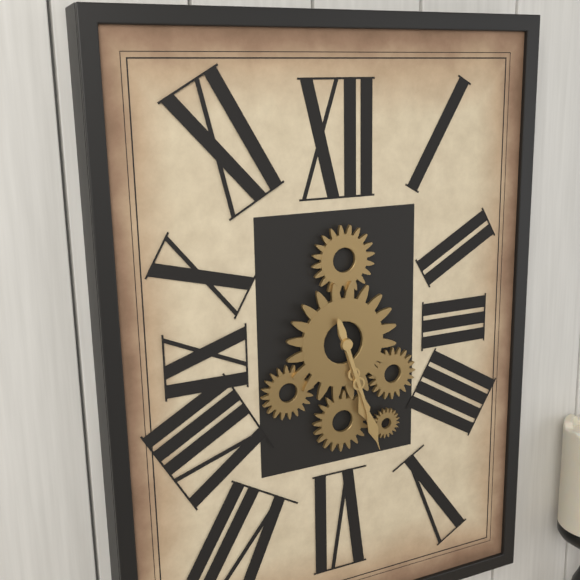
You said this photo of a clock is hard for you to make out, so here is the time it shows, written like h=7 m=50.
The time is h=5 m=27
